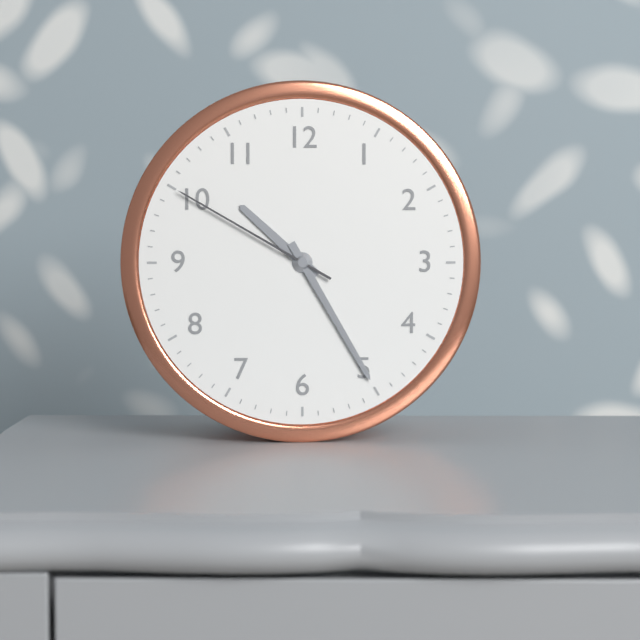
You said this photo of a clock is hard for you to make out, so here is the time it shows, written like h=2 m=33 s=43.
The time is h=10 m=25 s=50
